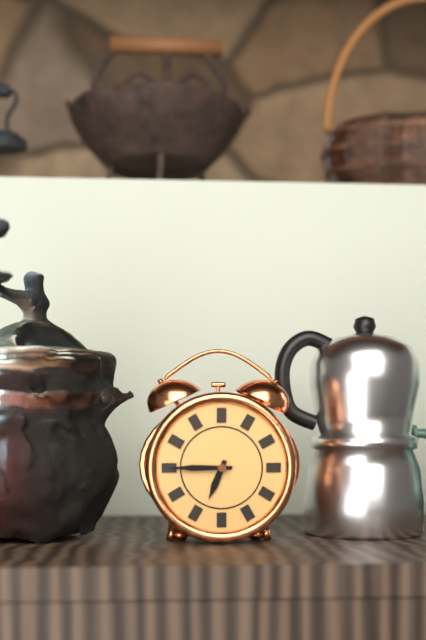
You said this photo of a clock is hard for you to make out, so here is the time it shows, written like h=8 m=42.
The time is h=6 m=45
